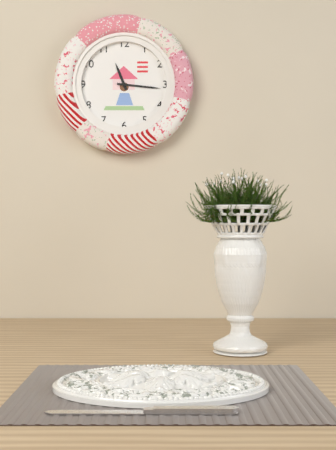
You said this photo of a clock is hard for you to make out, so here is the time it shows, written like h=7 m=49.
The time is h=11 m=16
